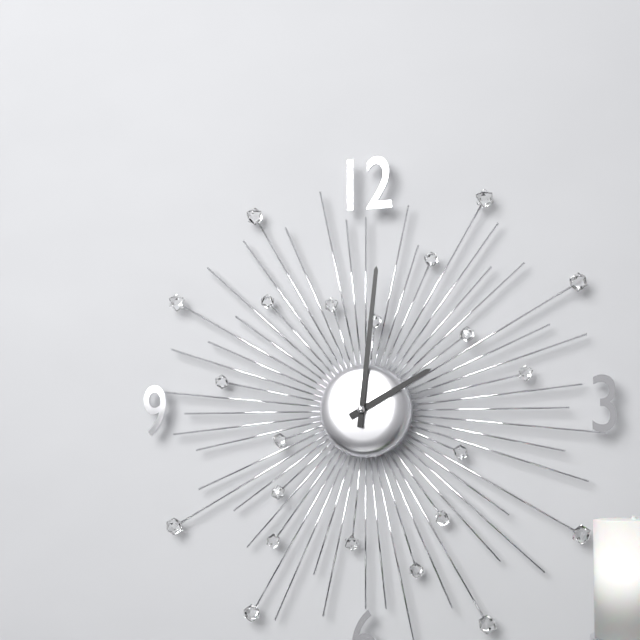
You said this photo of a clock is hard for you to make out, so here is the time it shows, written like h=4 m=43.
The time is h=2 m=1
